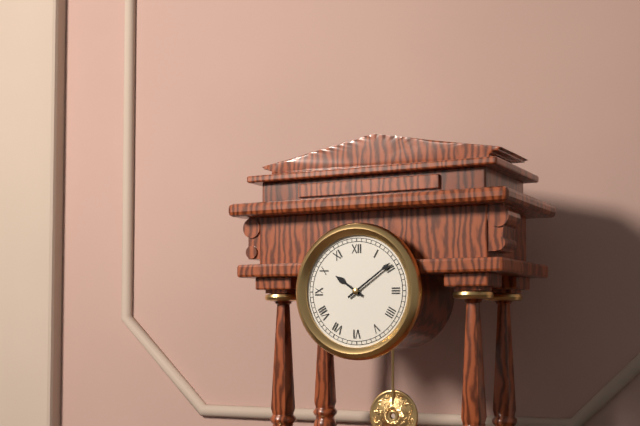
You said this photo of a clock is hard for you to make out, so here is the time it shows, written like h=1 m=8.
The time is h=10 m=9
